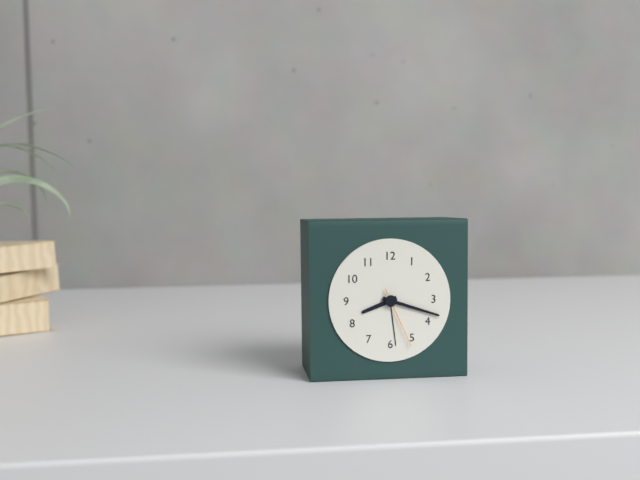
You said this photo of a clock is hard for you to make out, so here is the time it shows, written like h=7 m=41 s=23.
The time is h=8 m=18 s=26
